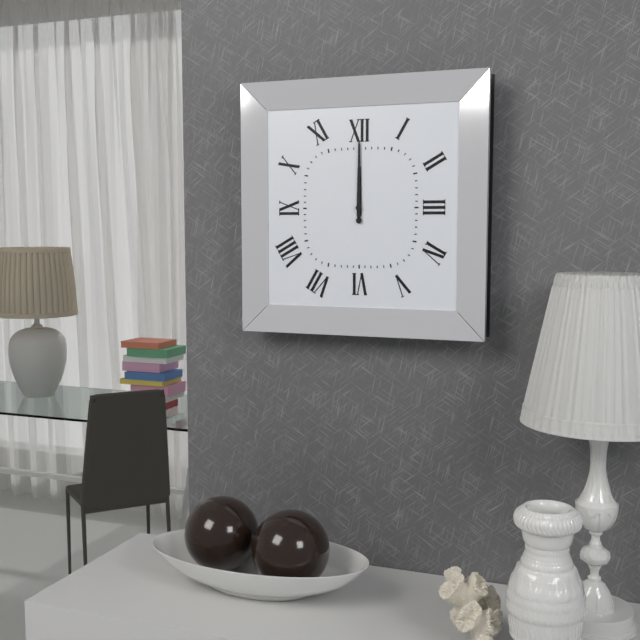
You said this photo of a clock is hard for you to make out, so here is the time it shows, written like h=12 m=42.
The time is h=12 m=0
